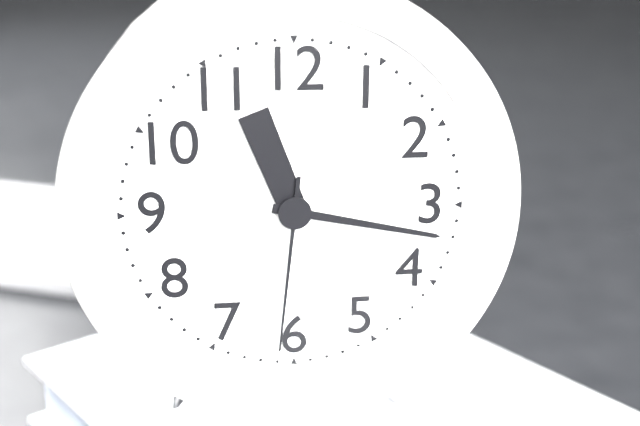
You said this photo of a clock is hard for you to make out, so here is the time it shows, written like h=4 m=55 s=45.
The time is h=11 m=17 s=31
